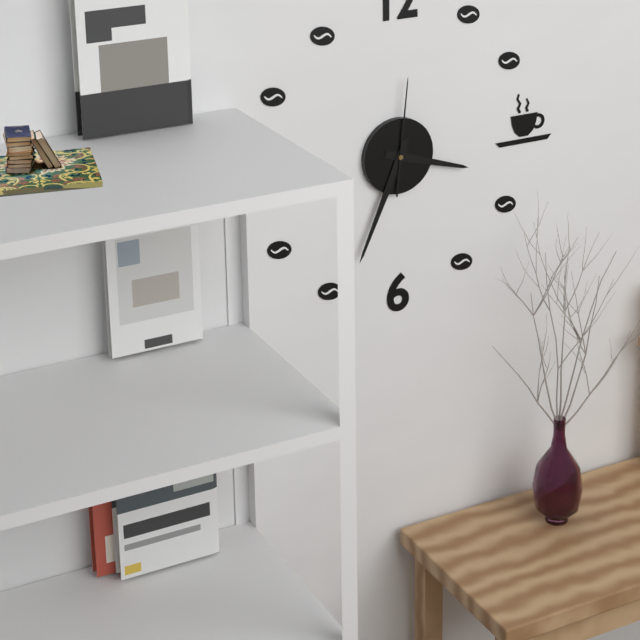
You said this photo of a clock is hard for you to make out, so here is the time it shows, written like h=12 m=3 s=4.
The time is h=3 m=34 s=1
